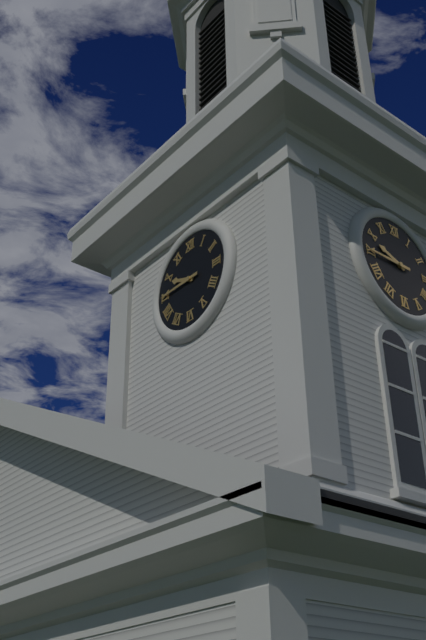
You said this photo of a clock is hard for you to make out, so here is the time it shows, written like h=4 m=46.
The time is h=9 m=45
